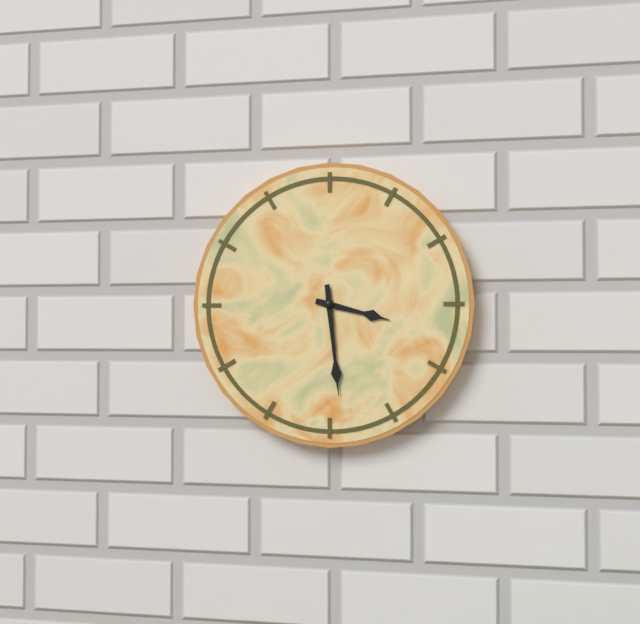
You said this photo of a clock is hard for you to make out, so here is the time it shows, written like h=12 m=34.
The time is h=3 m=29
